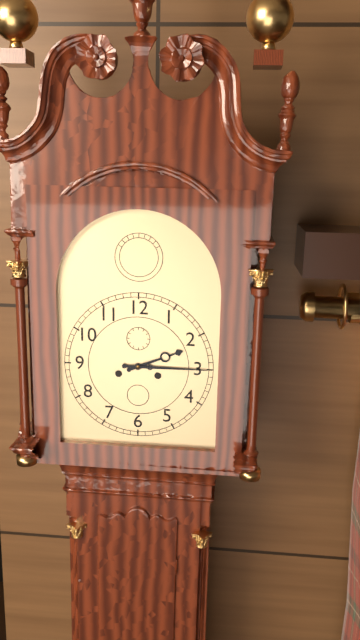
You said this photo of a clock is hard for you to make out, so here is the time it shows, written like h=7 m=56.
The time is h=2 m=15
